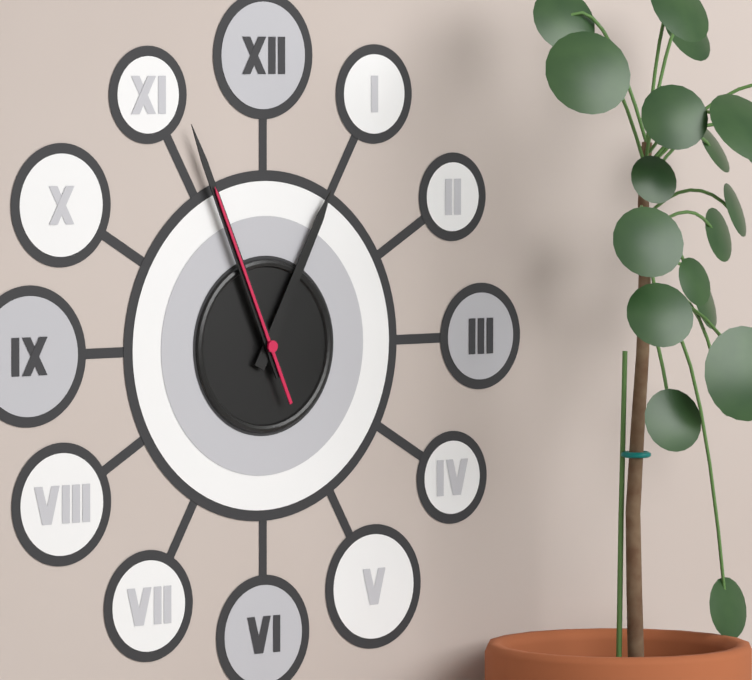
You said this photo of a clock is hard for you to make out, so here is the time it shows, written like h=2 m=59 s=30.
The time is h=12 m=56 s=56
